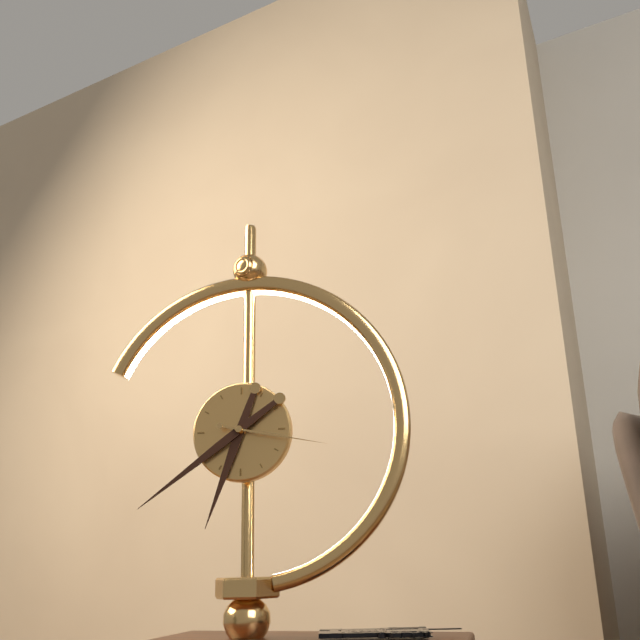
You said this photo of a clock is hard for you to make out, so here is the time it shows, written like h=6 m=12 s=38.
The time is h=6 m=39 s=17
